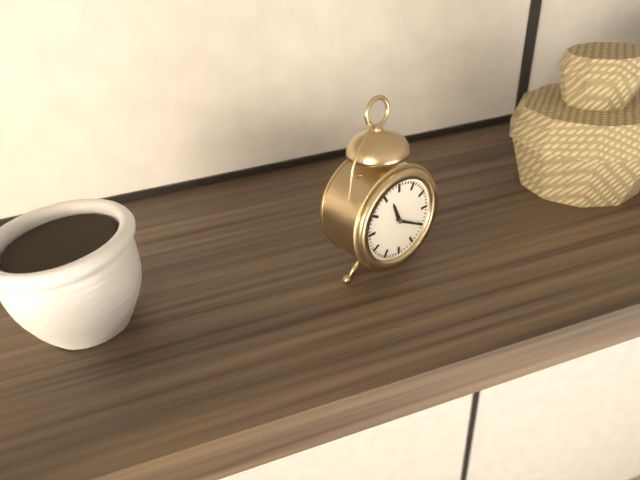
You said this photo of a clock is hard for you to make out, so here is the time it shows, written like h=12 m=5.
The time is h=11 m=20
